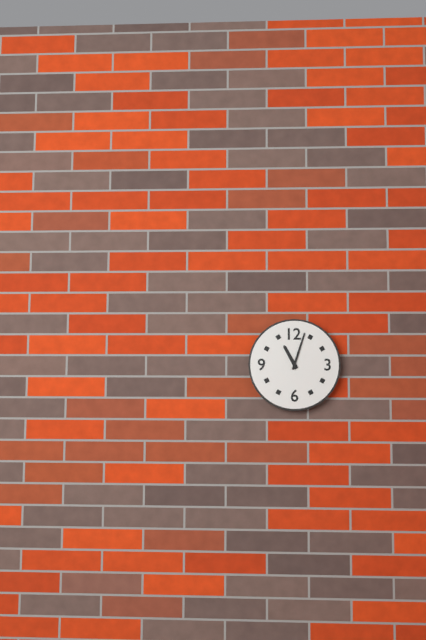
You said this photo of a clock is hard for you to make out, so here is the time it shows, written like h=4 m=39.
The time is h=11 m=3
